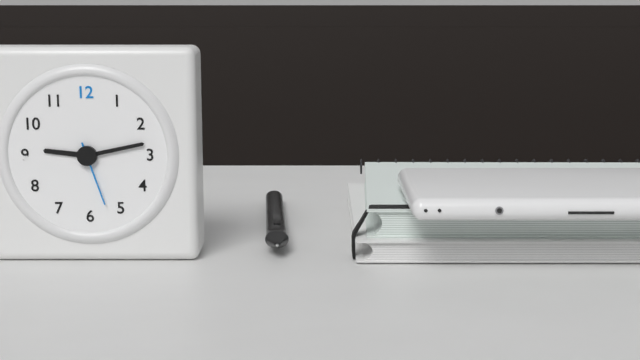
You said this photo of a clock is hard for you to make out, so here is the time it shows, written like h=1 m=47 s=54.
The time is h=9 m=13 s=27
